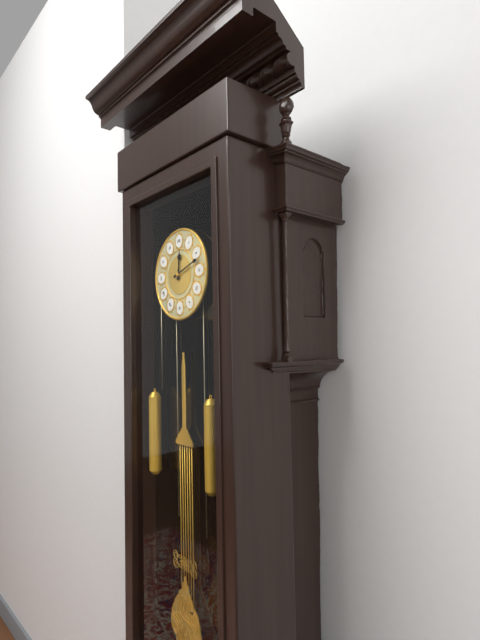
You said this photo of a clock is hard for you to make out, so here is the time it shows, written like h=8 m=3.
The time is h=12 m=12
